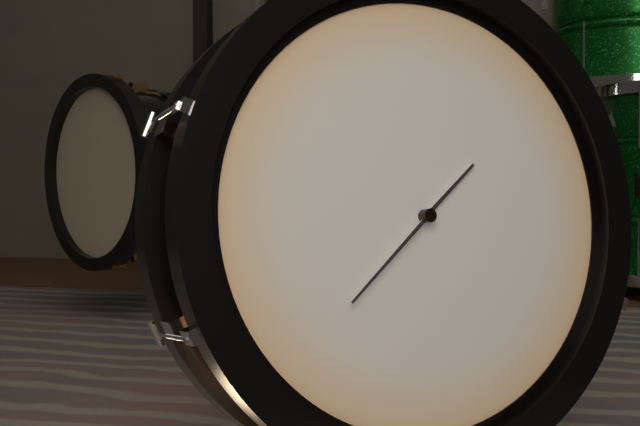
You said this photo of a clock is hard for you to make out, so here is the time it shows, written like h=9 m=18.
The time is h=1 m=38
